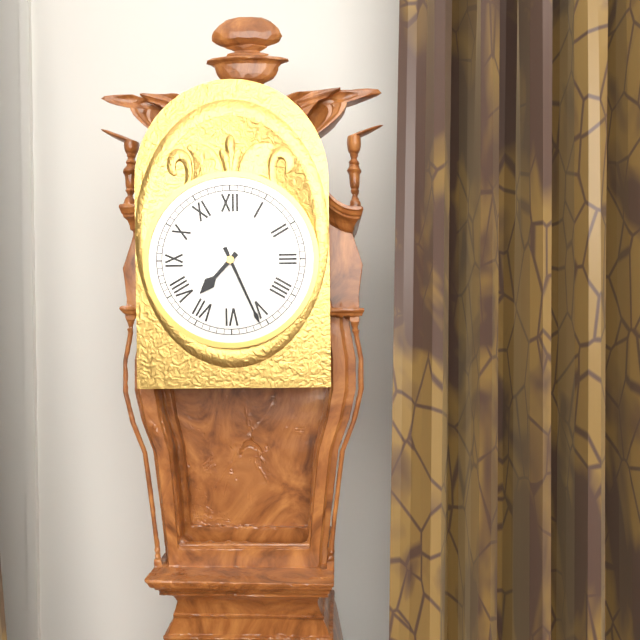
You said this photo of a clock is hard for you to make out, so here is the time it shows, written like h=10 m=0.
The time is h=7 m=26
